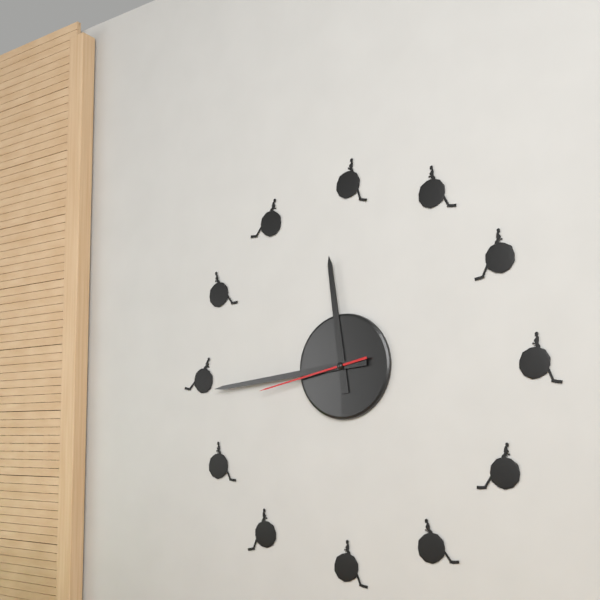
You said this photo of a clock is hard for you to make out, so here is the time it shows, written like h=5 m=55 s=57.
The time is h=11 m=44 s=43
